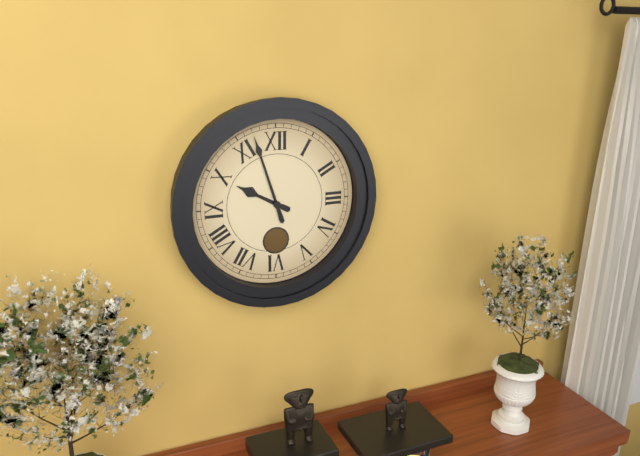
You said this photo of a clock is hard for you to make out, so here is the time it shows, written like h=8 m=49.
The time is h=9 m=57
